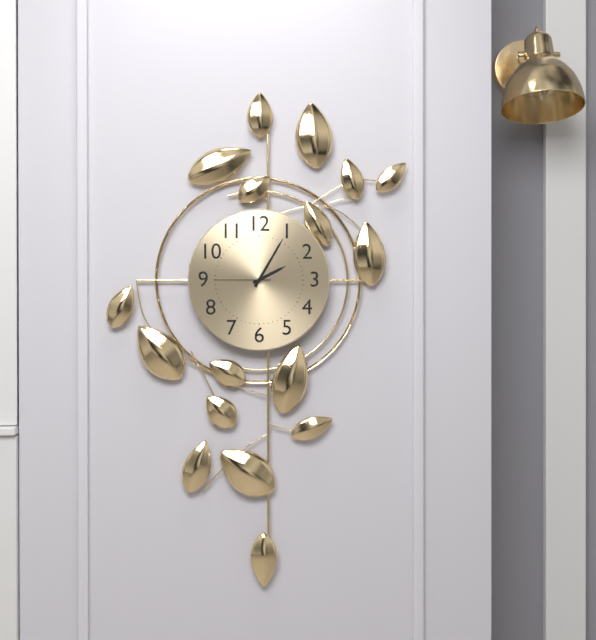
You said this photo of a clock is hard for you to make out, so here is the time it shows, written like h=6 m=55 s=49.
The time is h=2 m=5 s=45
